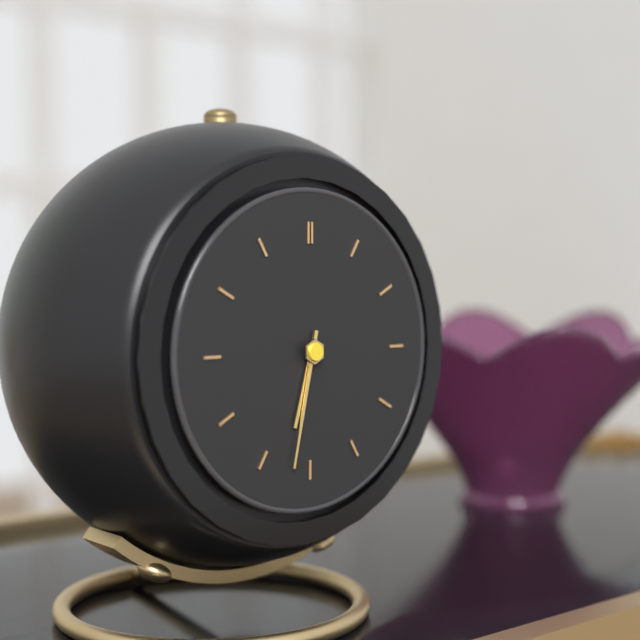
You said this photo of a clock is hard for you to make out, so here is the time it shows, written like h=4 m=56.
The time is h=6 m=32
